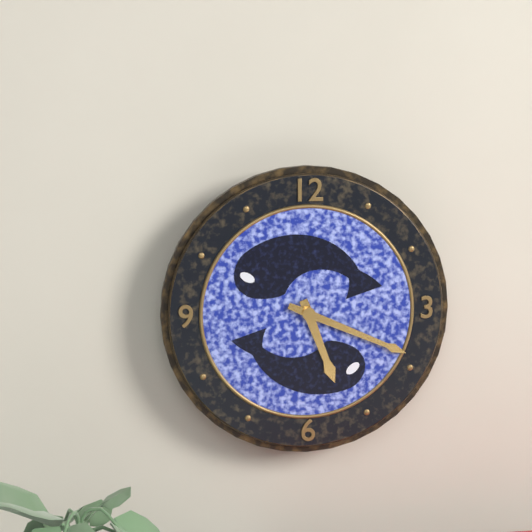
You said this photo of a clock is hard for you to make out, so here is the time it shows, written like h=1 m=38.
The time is h=5 m=19
